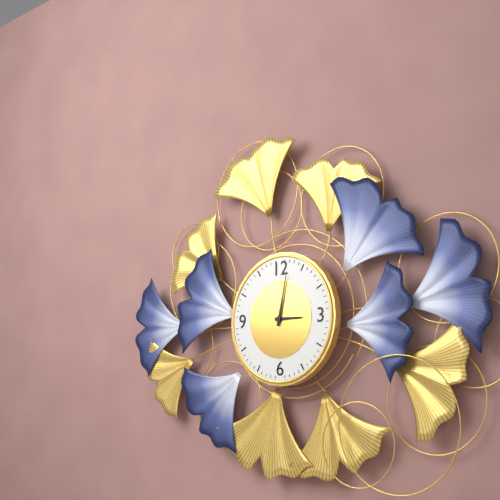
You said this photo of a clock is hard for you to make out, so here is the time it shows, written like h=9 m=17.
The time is h=3 m=2
